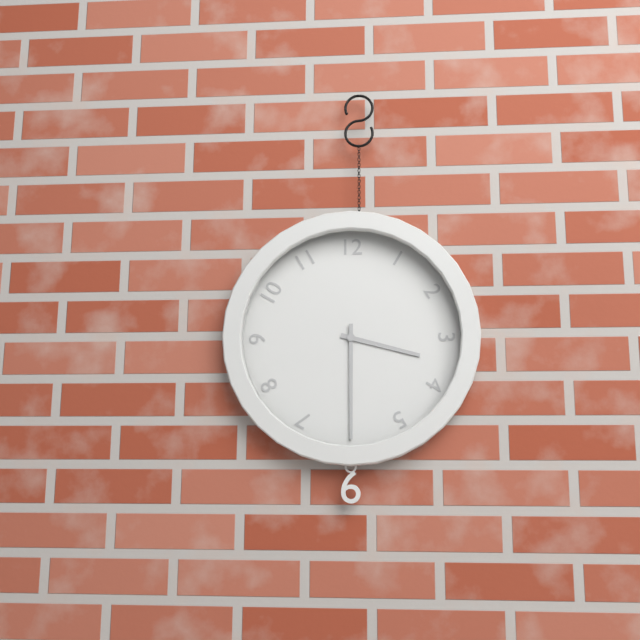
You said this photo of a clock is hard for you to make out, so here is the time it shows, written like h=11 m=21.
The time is h=3 m=30
